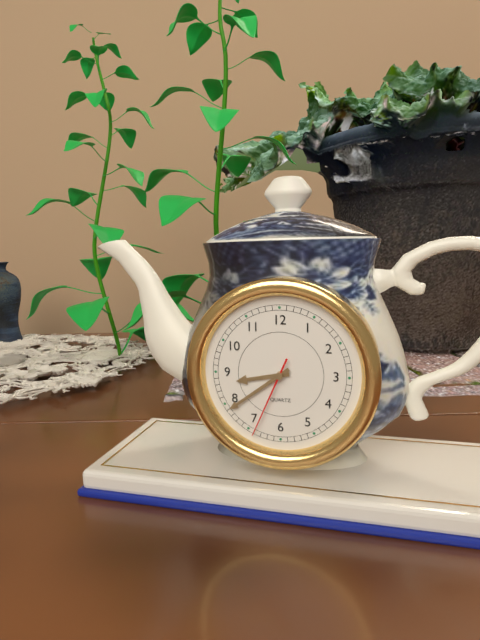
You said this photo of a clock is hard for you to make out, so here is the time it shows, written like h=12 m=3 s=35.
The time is h=8 m=39 s=34
